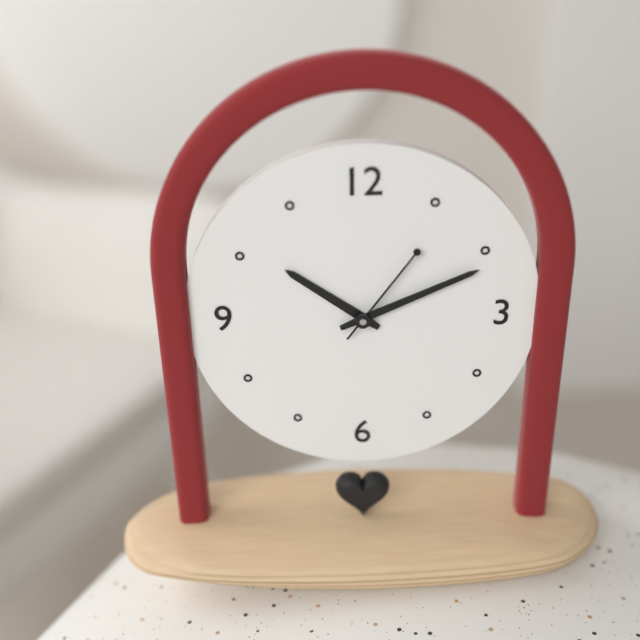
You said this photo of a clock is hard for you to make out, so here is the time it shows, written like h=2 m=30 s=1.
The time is h=10 m=11 s=6
